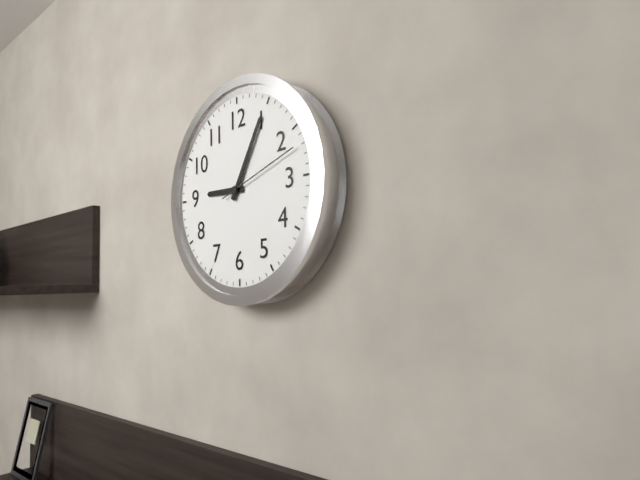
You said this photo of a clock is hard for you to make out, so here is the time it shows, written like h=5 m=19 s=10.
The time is h=9 m=5 s=12
